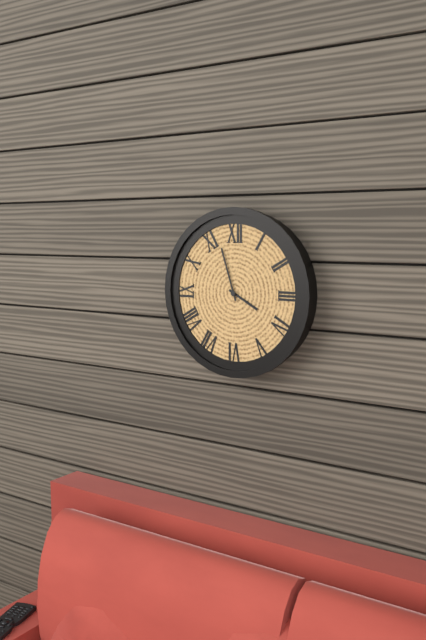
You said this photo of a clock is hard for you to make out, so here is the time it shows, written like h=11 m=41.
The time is h=3 m=57
